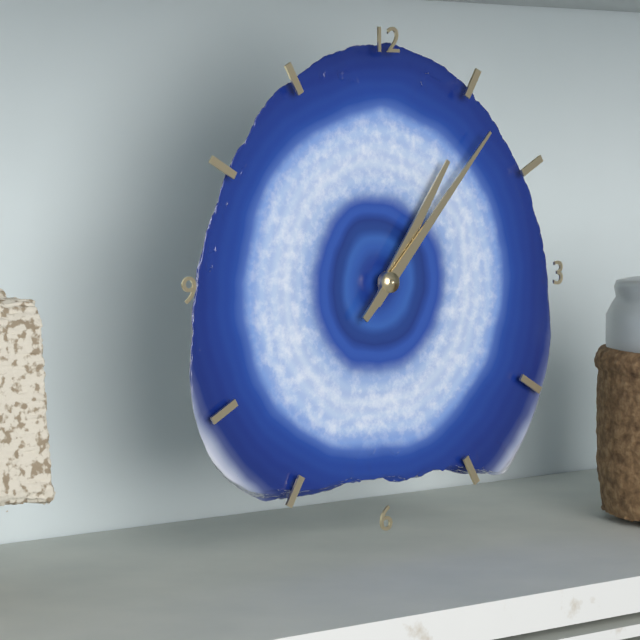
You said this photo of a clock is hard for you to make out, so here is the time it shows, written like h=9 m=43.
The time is h=1 m=7
